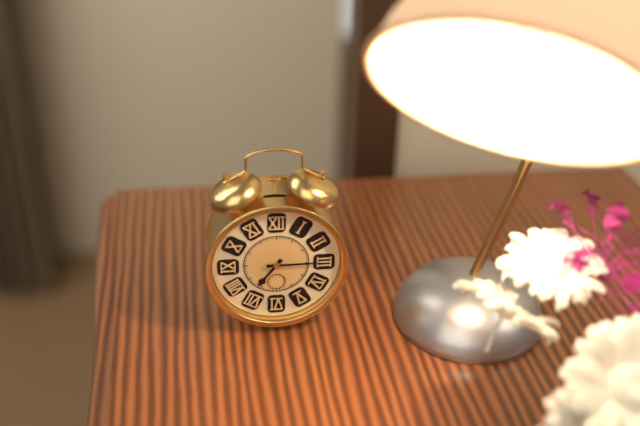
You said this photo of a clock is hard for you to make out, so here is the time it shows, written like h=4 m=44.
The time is h=7 m=15
